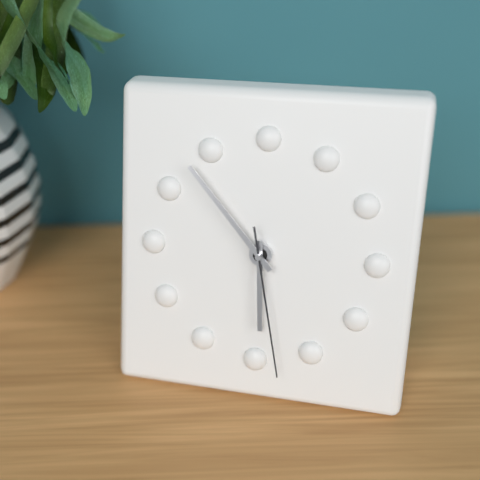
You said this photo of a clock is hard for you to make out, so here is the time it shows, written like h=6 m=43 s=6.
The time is h=5 m=53 s=28
